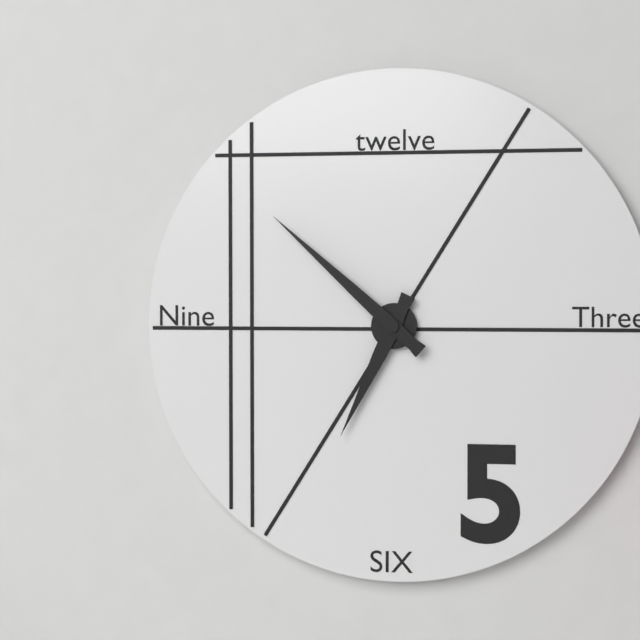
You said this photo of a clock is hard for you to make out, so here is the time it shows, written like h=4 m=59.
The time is h=6 m=52
